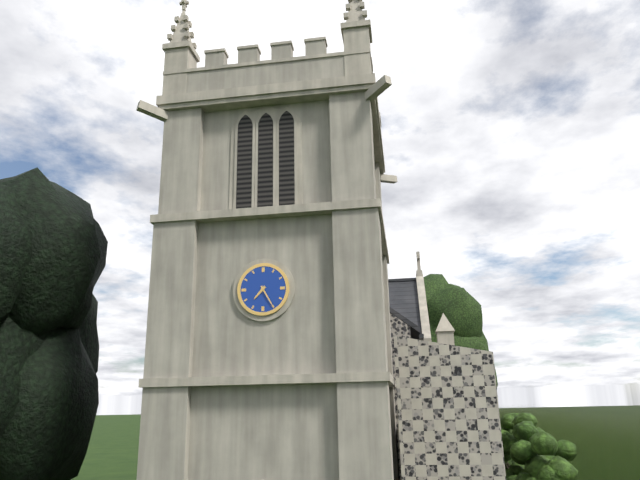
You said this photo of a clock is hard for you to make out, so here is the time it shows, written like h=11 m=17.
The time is h=7 m=25
